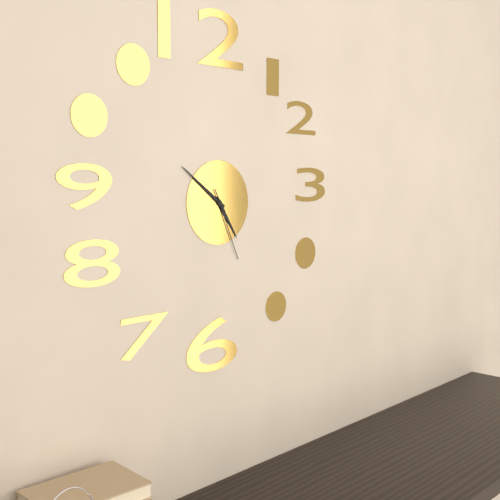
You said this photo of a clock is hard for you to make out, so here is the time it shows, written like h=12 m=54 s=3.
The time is h=4 m=51 s=26
